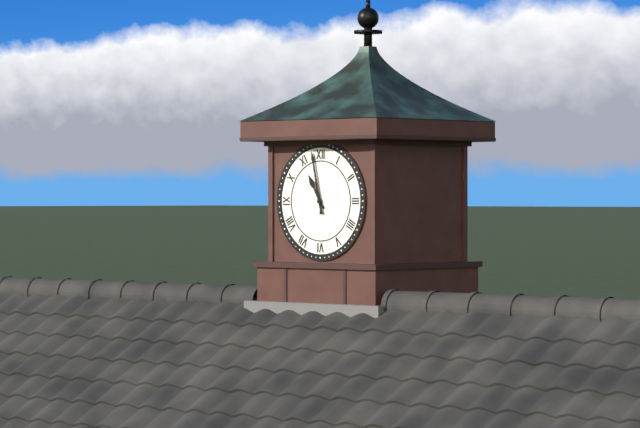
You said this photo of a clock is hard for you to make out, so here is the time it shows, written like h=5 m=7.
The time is h=10 m=58
